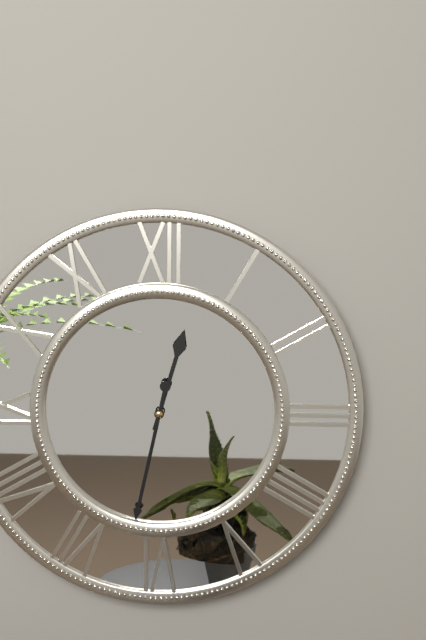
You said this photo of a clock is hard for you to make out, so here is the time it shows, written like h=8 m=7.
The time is h=12 m=32
